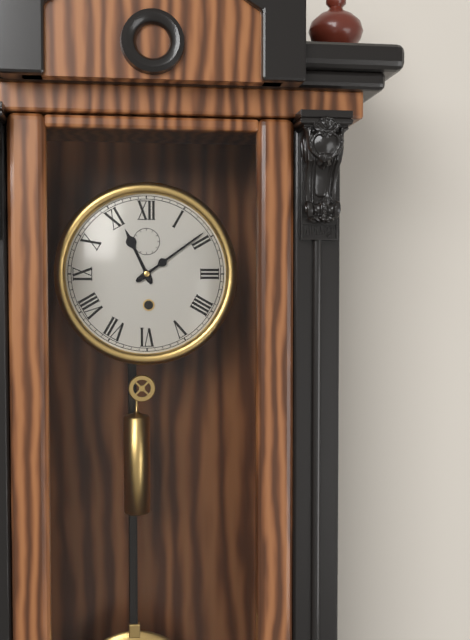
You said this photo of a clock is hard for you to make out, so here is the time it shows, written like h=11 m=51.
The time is h=11 m=9
